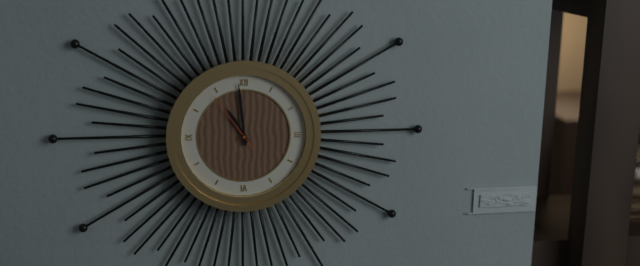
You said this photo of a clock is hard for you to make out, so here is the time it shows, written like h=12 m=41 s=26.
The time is h=10 m=59 s=54
